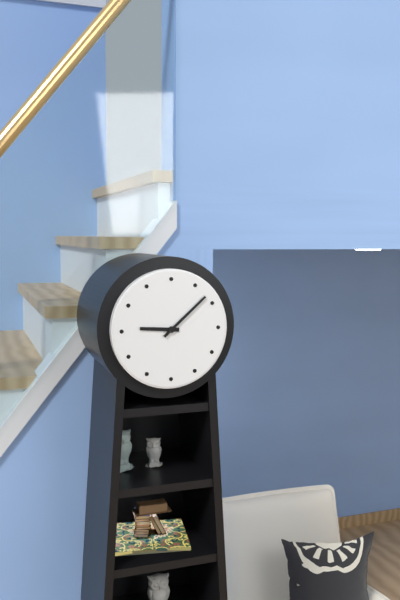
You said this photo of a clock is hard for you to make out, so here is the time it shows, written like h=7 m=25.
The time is h=9 m=8
